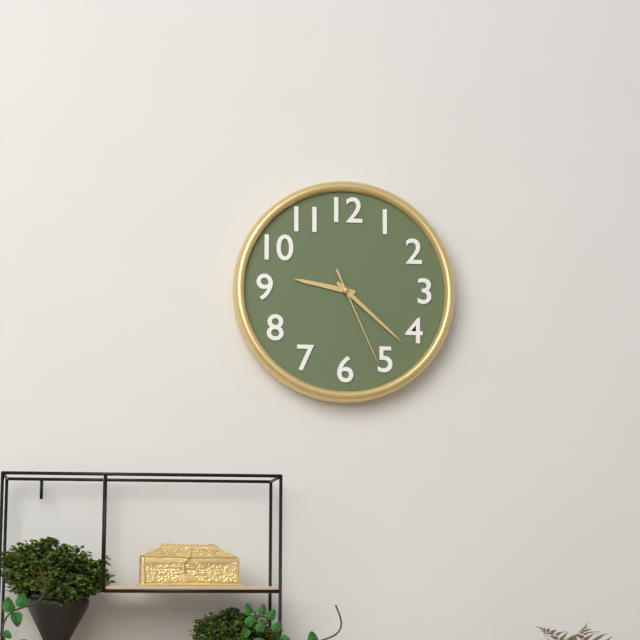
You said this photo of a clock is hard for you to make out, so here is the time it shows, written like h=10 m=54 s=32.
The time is h=9 m=22 s=26
